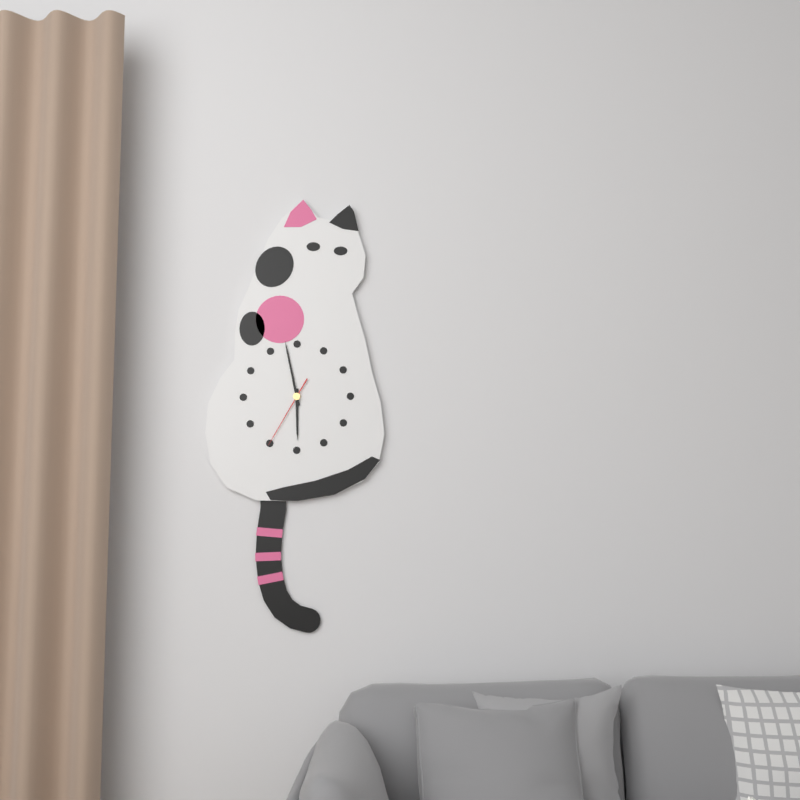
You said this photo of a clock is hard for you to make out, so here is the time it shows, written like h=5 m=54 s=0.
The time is h=5 m=58 s=35
